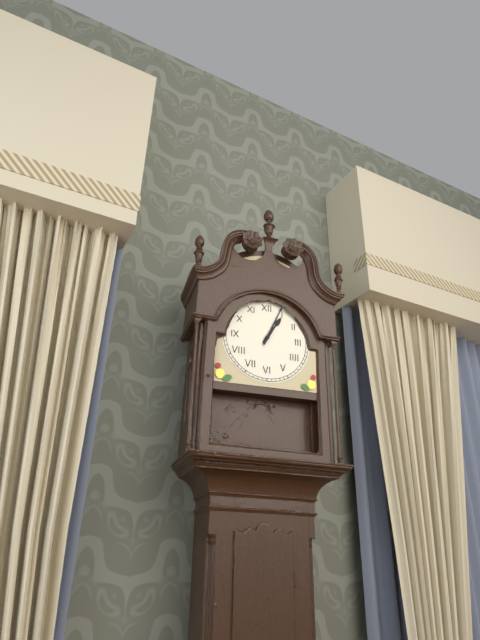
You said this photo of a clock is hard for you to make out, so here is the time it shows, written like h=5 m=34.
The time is h=1 m=4
